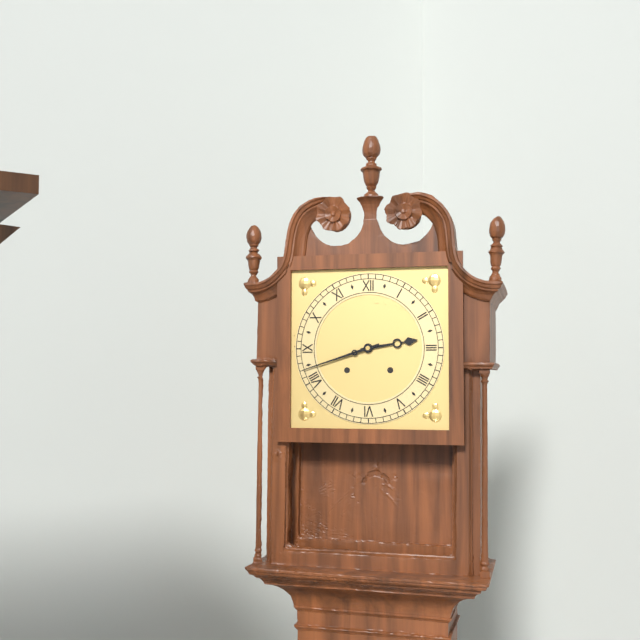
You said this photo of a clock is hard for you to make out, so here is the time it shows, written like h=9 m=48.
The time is h=2 m=42
